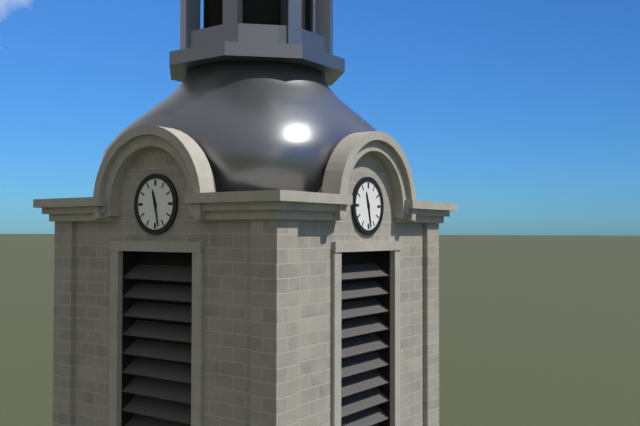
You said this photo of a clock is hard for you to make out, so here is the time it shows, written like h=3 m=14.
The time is h=11 m=28
